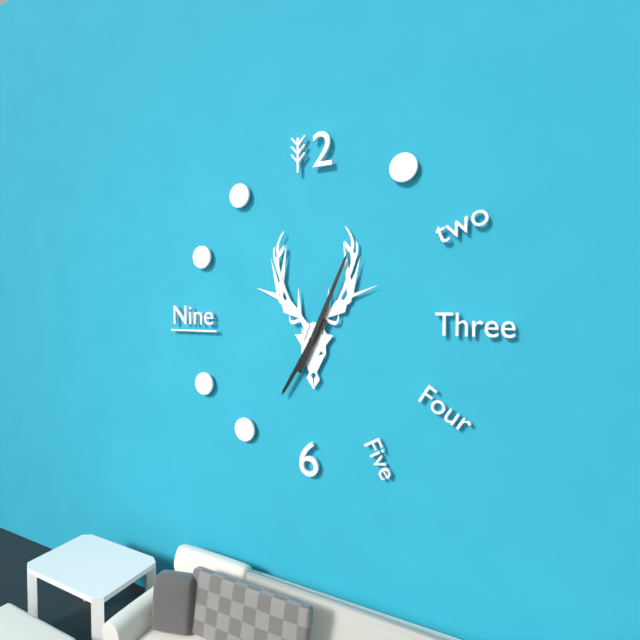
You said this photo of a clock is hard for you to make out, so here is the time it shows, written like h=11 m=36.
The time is h=7 m=4
